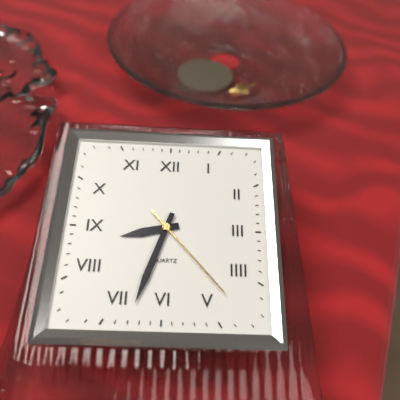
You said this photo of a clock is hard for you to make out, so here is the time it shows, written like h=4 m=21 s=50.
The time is h=8 m=33 s=23
